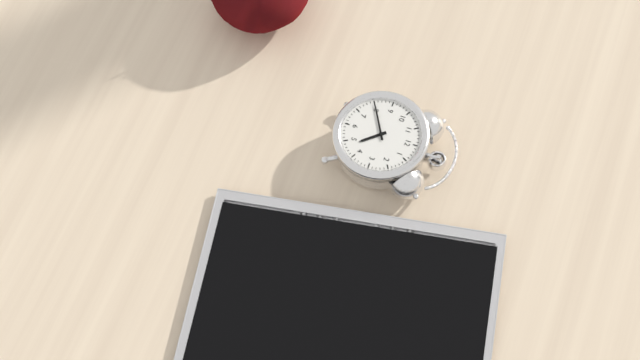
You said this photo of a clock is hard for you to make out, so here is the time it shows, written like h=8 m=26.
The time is h=4 m=40
